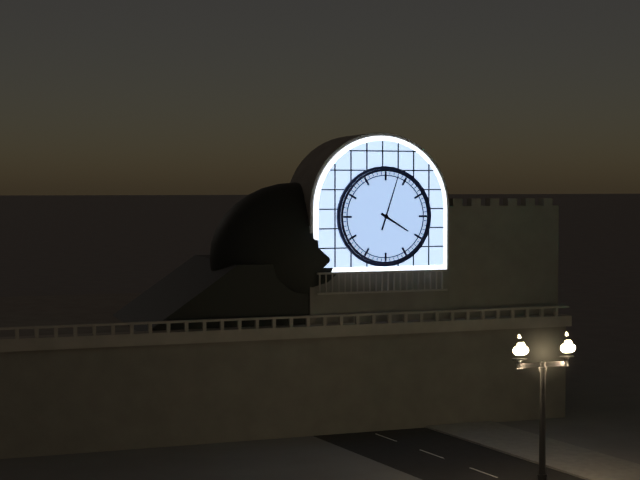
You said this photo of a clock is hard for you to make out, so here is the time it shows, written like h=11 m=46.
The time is h=4 m=3
